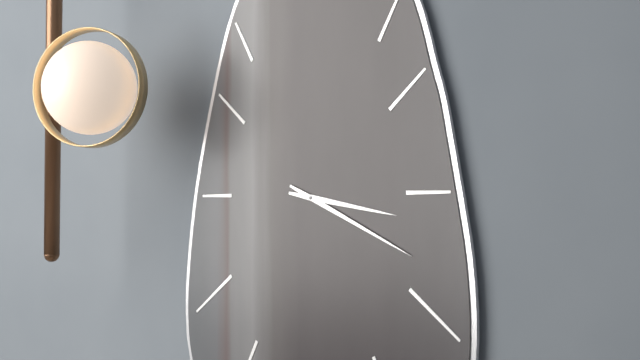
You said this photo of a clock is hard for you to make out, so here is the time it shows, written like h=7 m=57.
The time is h=3 m=19
